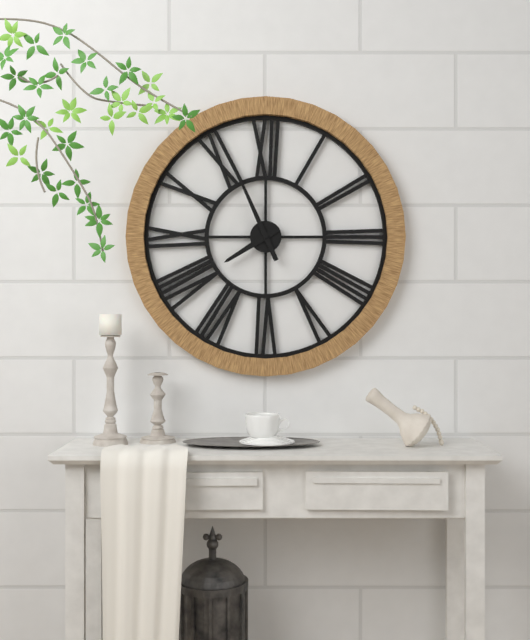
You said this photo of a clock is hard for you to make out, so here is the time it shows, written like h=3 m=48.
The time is h=7 m=56
